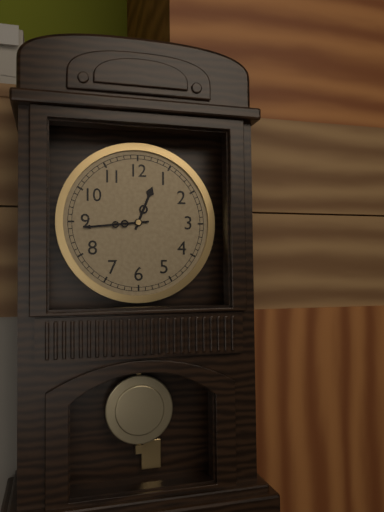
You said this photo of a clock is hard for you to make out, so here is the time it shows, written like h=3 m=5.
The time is h=12 m=44
